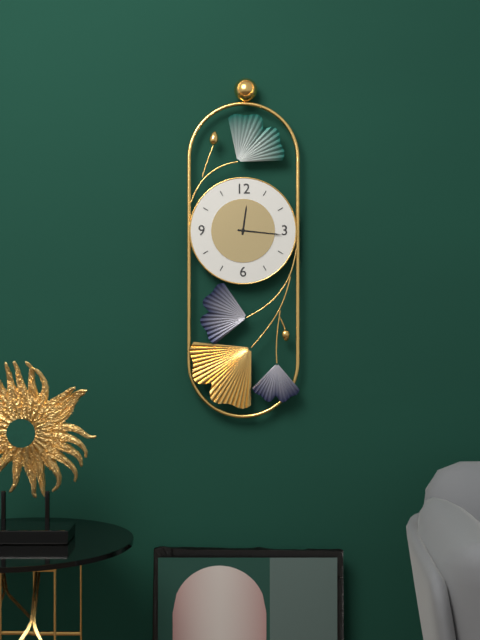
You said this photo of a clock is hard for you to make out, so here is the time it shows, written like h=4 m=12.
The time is h=12 m=16
